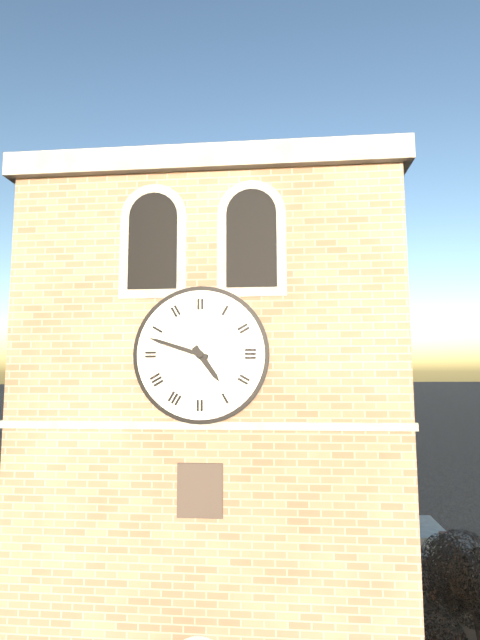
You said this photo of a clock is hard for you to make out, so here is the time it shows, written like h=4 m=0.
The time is h=4 m=48
